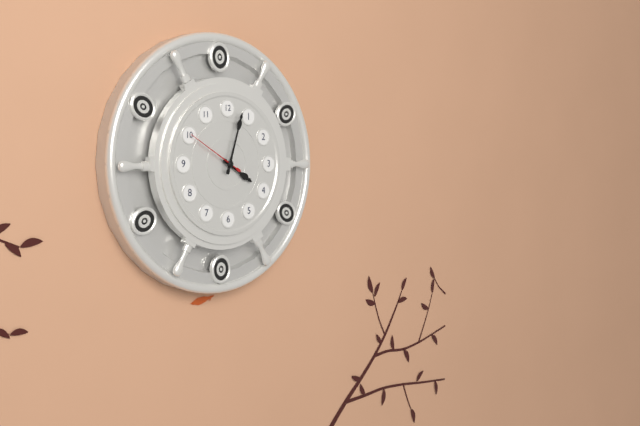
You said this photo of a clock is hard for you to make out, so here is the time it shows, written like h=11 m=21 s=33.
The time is h=4 m=3 s=50
